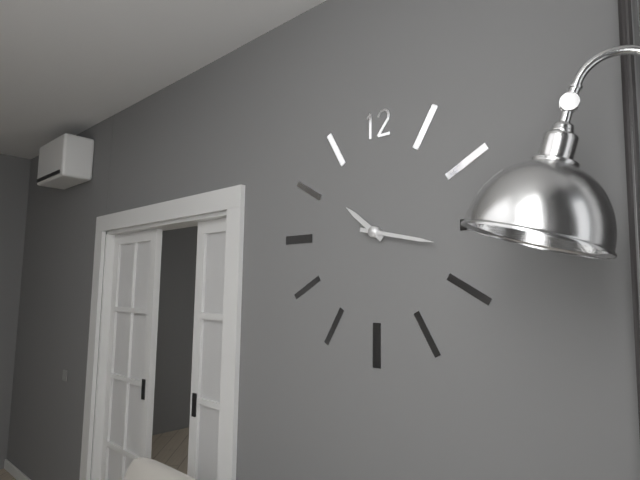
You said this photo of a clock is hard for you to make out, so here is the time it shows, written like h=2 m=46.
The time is h=10 m=17
